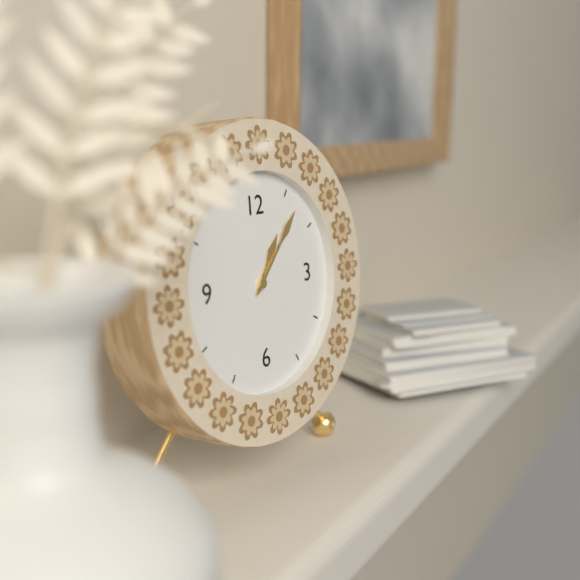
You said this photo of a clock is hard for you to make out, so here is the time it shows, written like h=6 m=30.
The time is h=1 m=7
